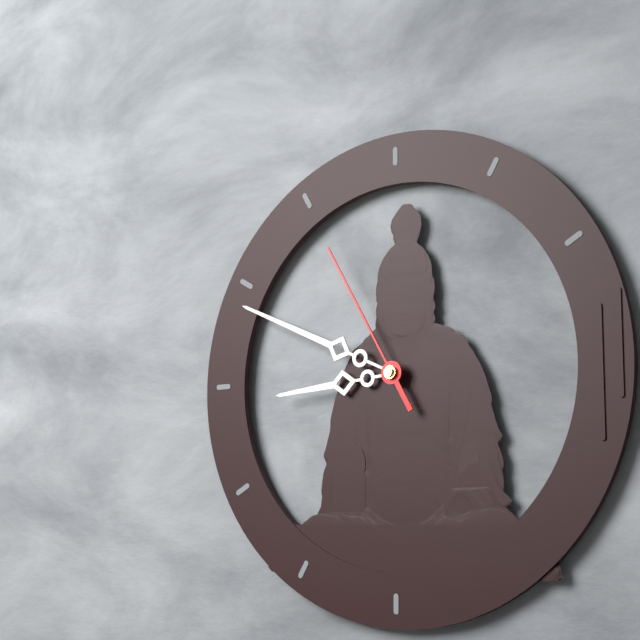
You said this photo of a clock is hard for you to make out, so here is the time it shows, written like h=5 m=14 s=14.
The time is h=8 m=49 s=55
